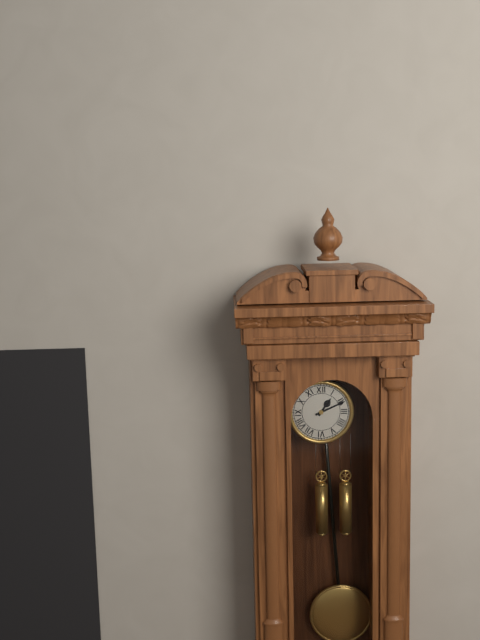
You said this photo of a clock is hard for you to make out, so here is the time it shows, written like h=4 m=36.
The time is h=1 m=11
